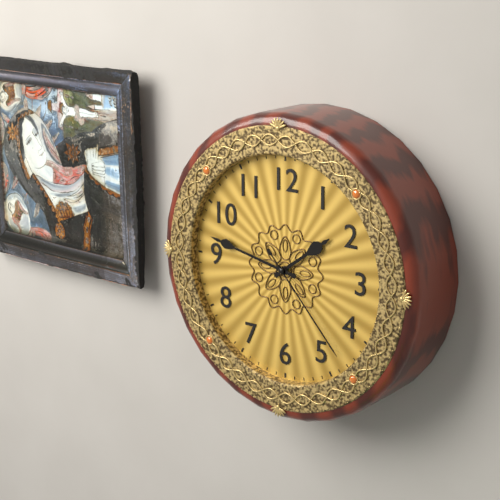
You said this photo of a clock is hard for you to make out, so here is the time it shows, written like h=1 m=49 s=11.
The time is h=1 m=47 s=23
